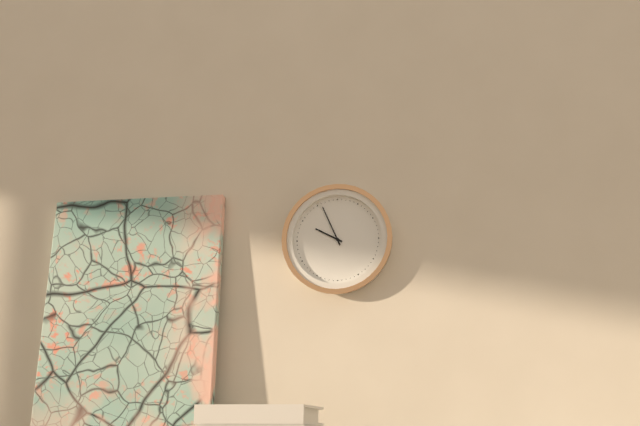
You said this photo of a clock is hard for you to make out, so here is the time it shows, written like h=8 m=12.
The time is h=9 m=56
